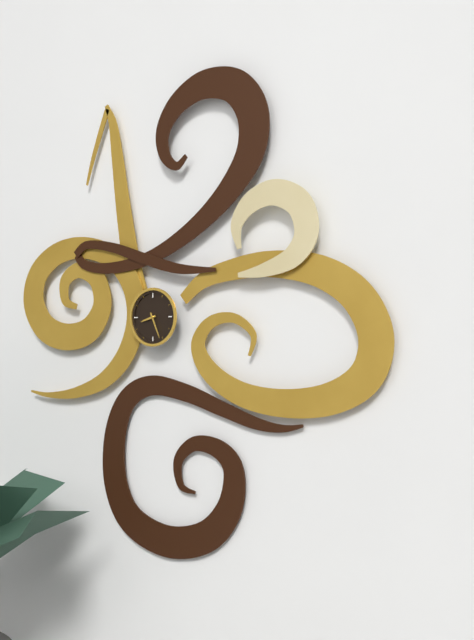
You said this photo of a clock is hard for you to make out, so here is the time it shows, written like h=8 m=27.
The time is h=8 m=26
